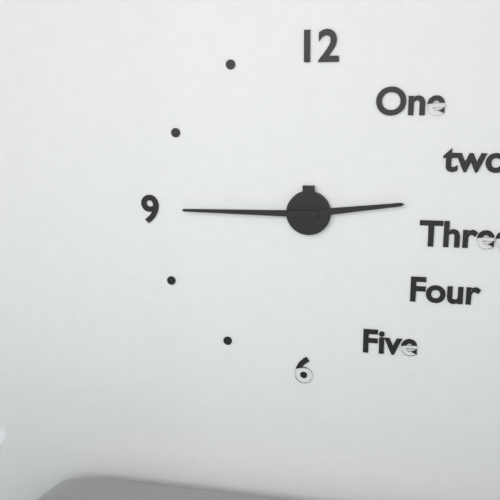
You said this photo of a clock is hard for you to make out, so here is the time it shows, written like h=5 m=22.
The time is h=2 m=45
